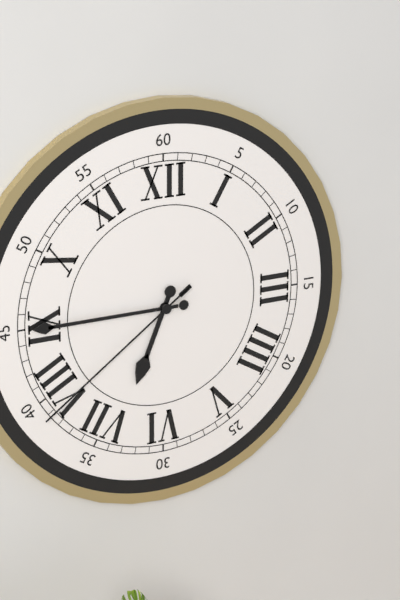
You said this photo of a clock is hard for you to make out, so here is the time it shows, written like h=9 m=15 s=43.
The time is h=6 m=45 s=39
